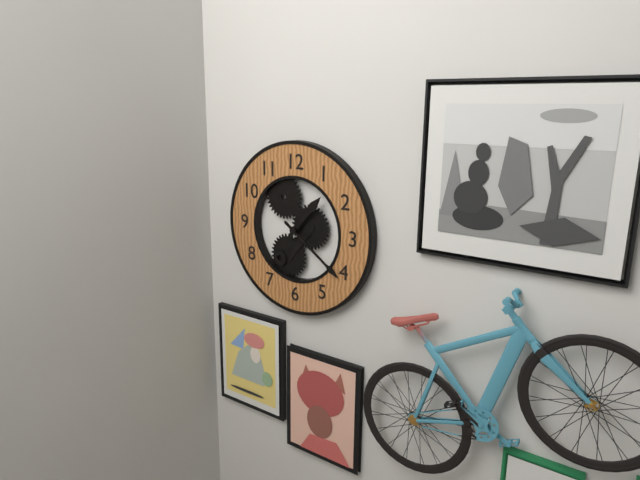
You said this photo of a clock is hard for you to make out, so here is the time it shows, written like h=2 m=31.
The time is h=1 m=21
